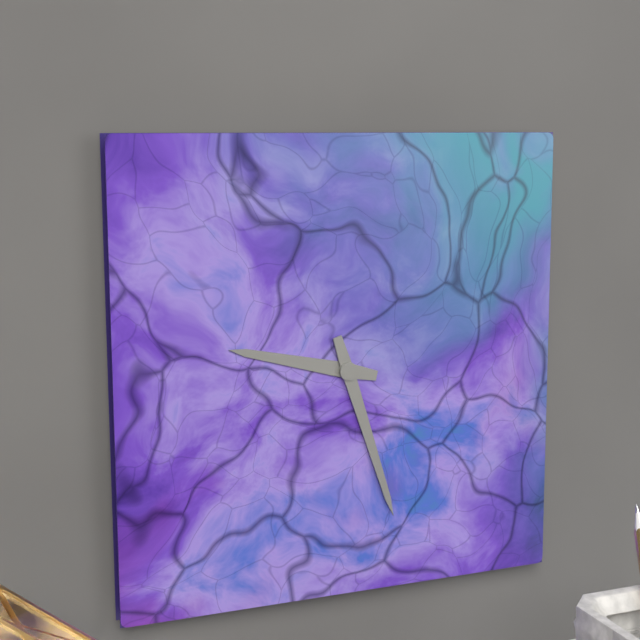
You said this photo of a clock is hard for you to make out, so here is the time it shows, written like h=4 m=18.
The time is h=9 m=27
